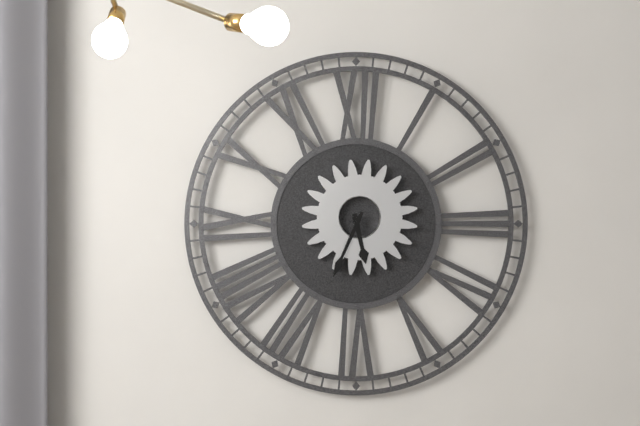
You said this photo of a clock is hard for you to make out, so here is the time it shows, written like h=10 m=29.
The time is h=5 m=34
